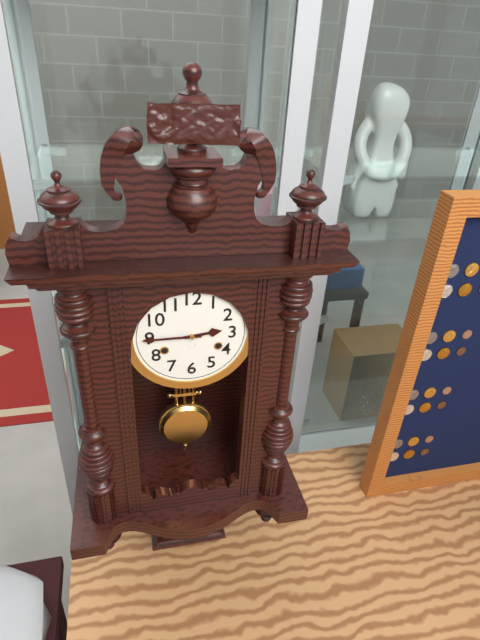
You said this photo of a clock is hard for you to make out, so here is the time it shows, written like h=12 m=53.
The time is h=2 m=45
